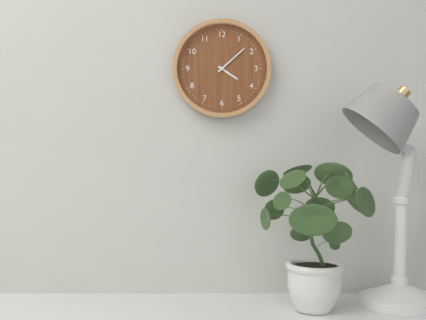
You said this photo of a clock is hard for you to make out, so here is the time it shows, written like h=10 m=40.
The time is h=4 m=8
